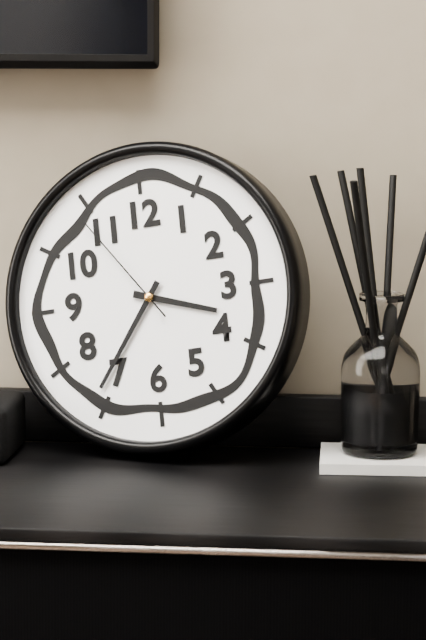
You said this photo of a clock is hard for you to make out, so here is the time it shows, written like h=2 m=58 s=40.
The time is h=3 m=36 s=54
